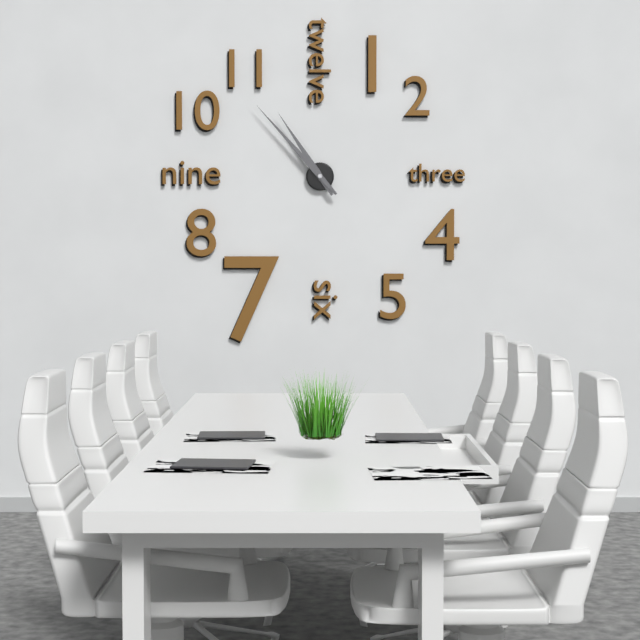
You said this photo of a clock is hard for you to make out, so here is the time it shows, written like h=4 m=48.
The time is h=10 m=53
